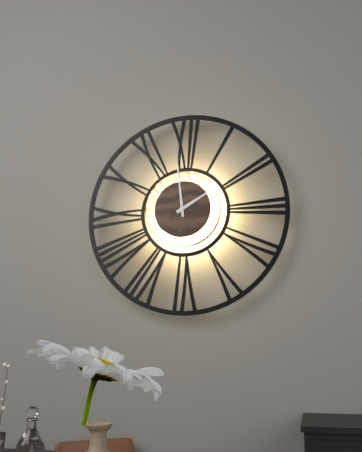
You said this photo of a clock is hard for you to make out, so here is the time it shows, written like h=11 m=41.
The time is h=1 m=59
